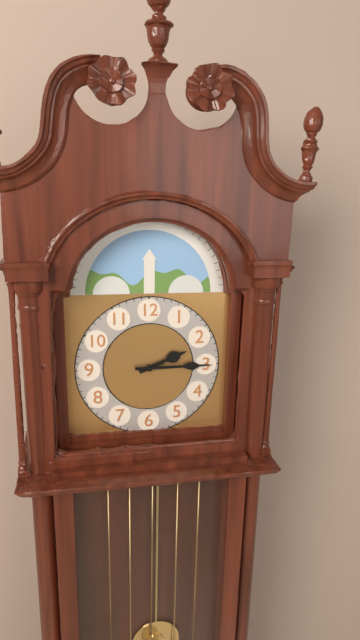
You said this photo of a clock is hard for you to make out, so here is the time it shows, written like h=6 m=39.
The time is h=2 m=15
